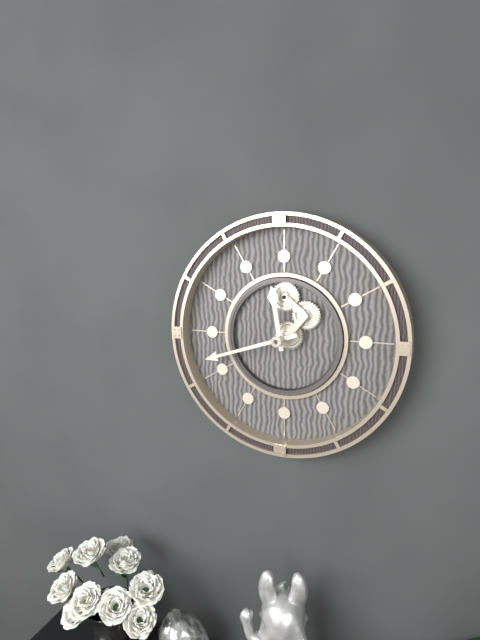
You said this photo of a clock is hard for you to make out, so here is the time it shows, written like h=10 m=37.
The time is h=11 m=42
